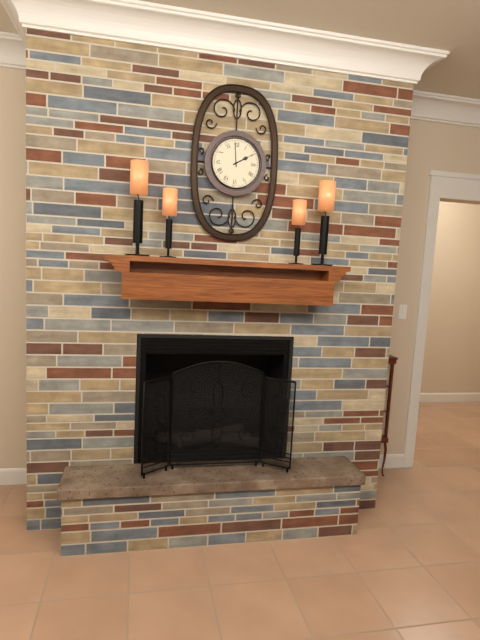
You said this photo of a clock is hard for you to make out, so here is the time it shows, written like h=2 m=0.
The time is h=1 m=59
